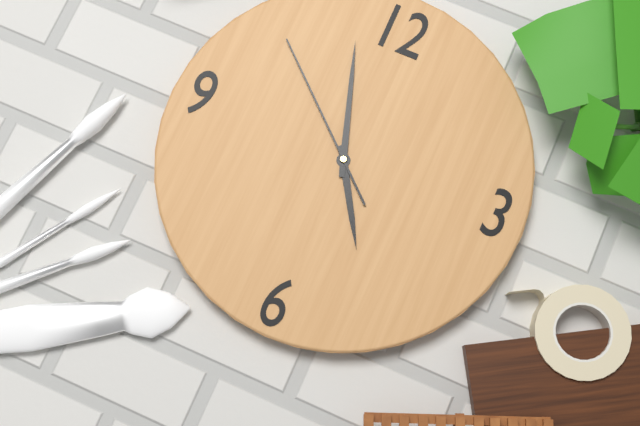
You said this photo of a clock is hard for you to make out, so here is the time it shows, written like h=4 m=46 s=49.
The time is h=4 m=57 s=52
